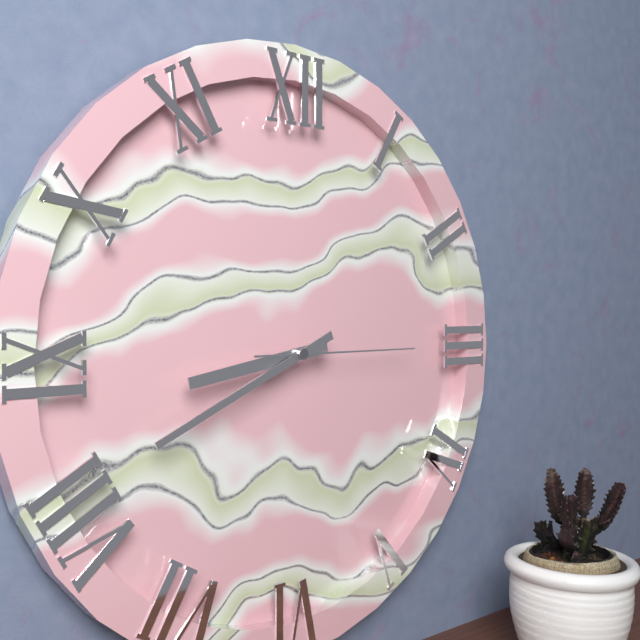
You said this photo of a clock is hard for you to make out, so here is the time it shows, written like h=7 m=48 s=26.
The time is h=8 m=41 s=15
